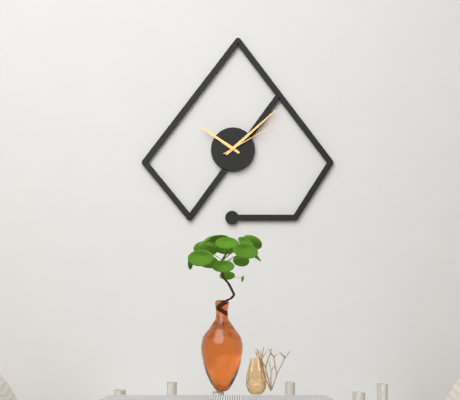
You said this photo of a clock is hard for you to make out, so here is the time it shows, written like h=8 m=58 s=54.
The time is h=10 m=8 s=10
